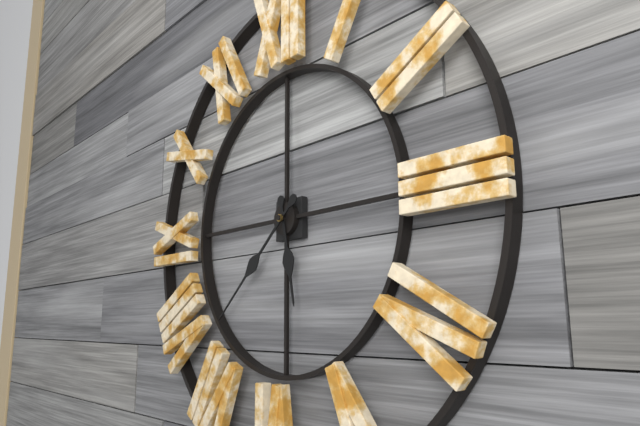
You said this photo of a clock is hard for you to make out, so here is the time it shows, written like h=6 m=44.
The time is h=5 m=38
